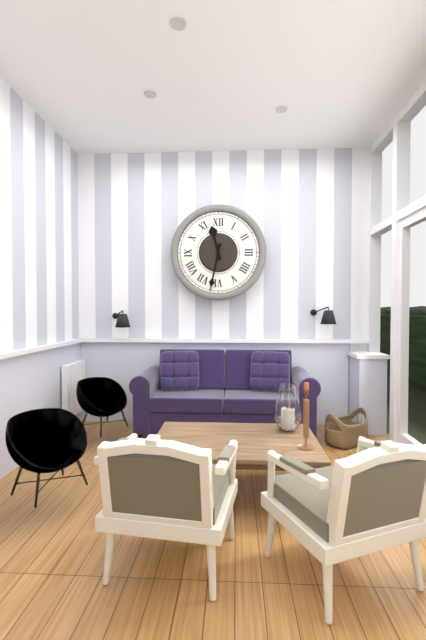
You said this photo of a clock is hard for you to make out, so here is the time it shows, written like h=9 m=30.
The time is h=11 m=32
